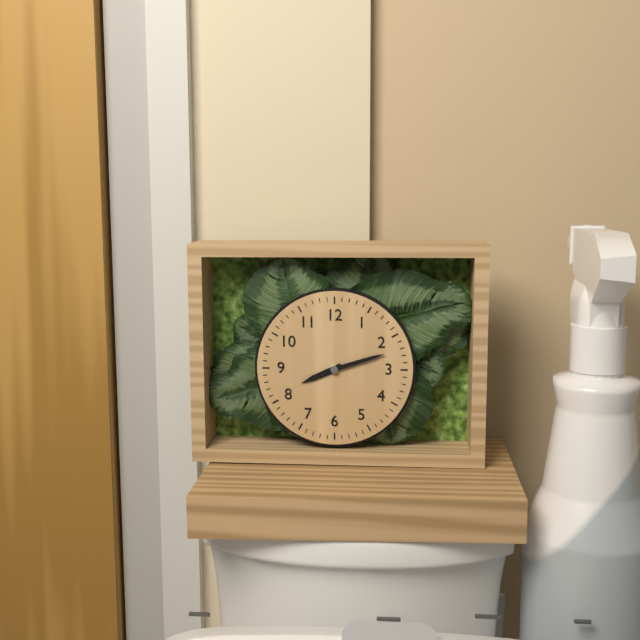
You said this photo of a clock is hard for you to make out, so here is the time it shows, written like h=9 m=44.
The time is h=8 m=12
